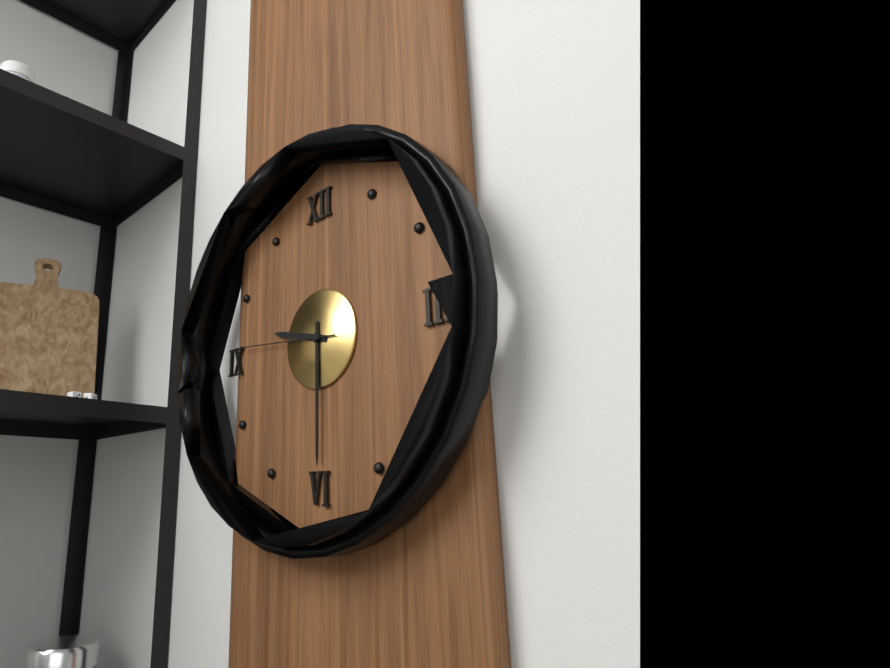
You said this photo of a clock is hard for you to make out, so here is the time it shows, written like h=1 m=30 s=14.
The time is h=9 m=30 s=46
